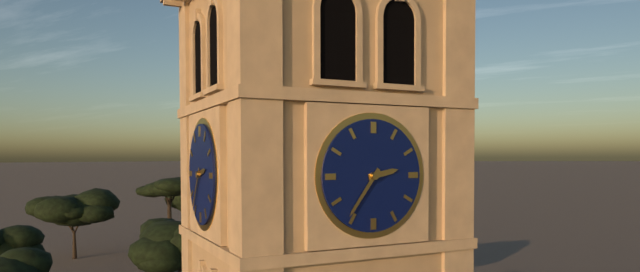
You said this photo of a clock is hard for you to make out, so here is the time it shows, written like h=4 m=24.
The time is h=2 m=36
